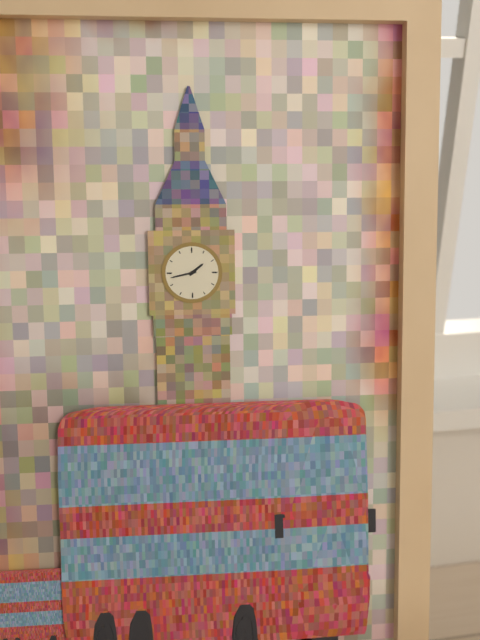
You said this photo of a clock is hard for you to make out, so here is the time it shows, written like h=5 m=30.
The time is h=1 m=43
